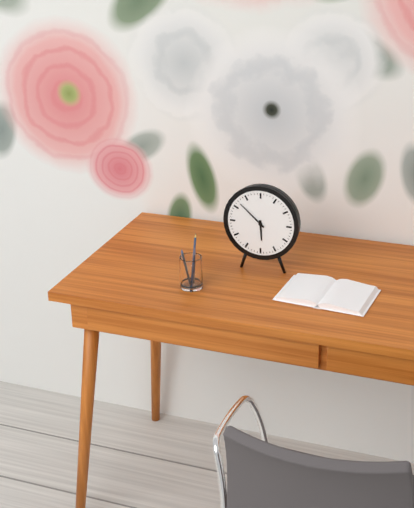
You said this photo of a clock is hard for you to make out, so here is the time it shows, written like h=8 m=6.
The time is h=5 m=52
